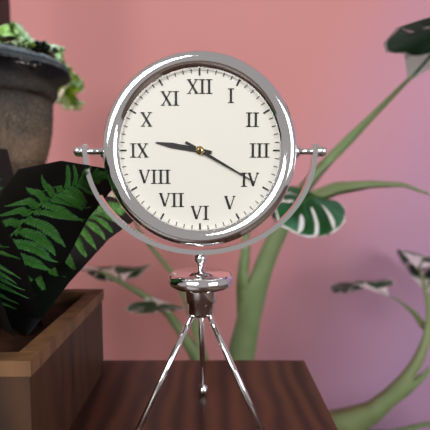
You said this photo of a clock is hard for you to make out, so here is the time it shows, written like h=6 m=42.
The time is h=9 m=20
